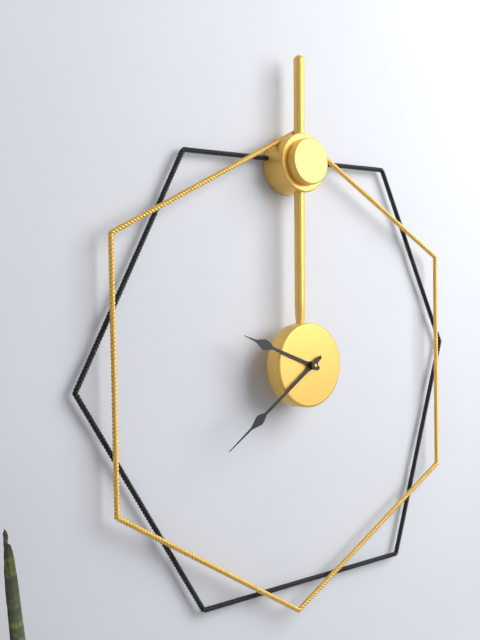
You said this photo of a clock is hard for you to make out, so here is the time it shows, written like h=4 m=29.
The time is h=9 m=39
